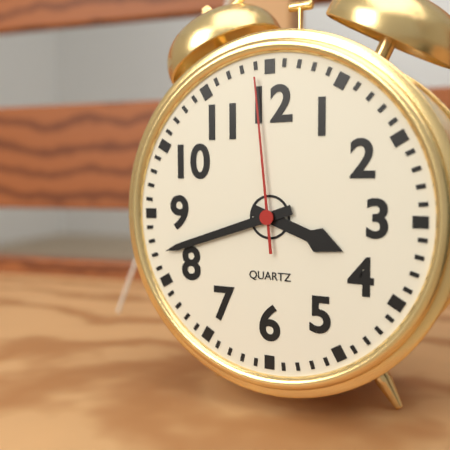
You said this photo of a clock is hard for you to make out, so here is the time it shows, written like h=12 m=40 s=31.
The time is h=3 m=42 s=59
